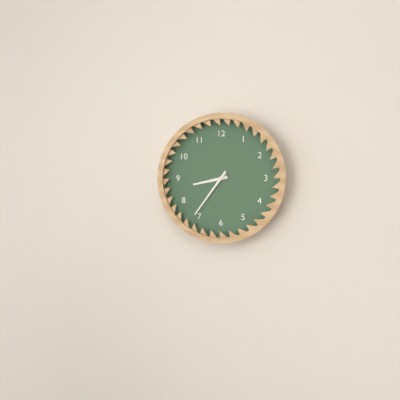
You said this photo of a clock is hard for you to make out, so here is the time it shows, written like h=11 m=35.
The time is h=8 m=36
